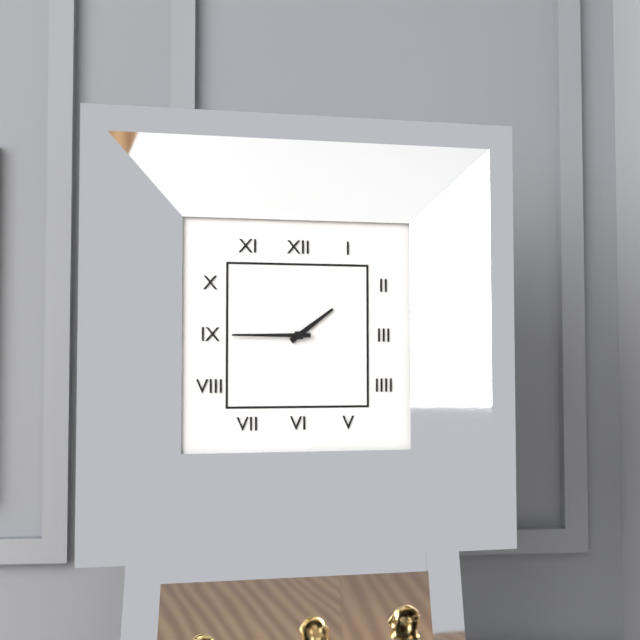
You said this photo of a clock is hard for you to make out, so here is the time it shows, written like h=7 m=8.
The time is h=1 m=45
